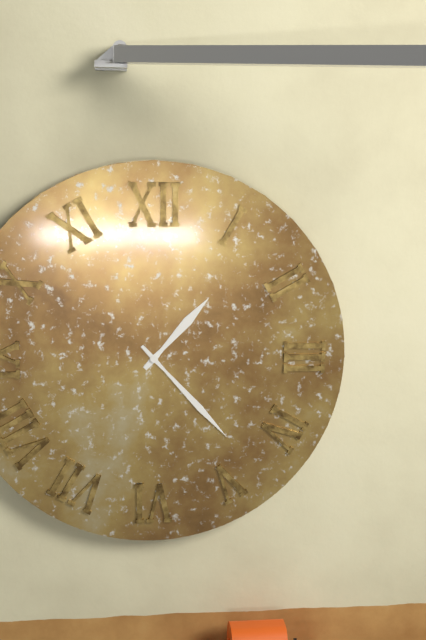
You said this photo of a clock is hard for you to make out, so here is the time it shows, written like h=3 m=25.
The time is h=1 m=23
